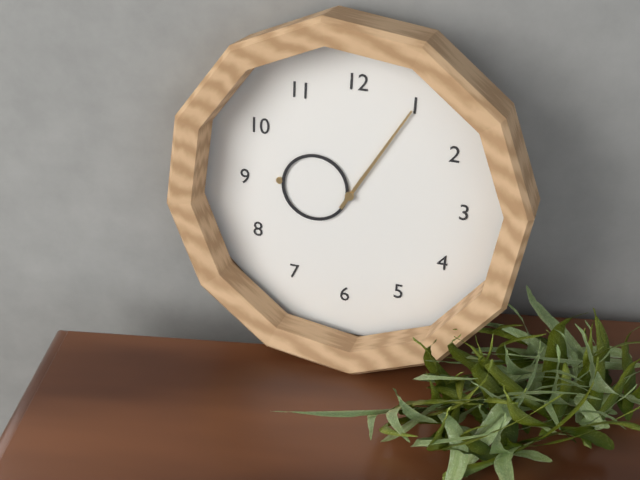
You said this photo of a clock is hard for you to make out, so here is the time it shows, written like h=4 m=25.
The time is h=9 m=5
